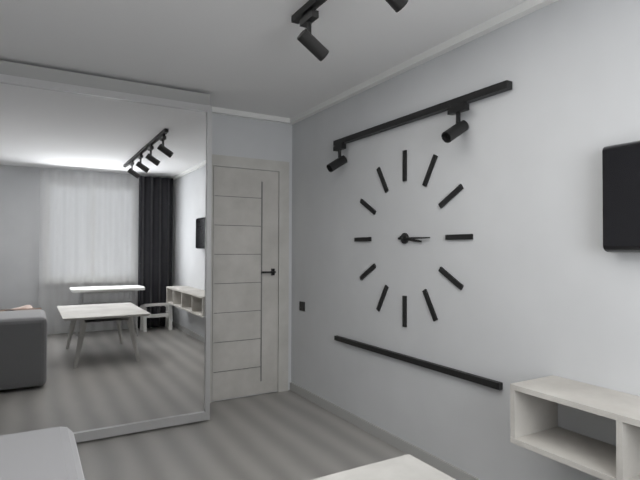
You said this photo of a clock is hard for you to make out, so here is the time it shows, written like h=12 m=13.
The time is h=3 m=15
